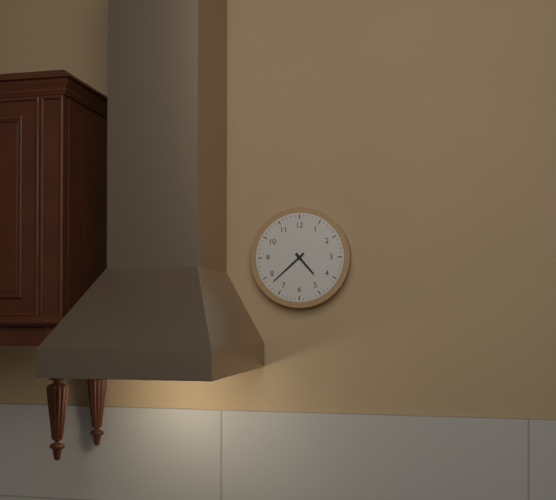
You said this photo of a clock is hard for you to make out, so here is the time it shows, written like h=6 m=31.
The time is h=4 m=38
